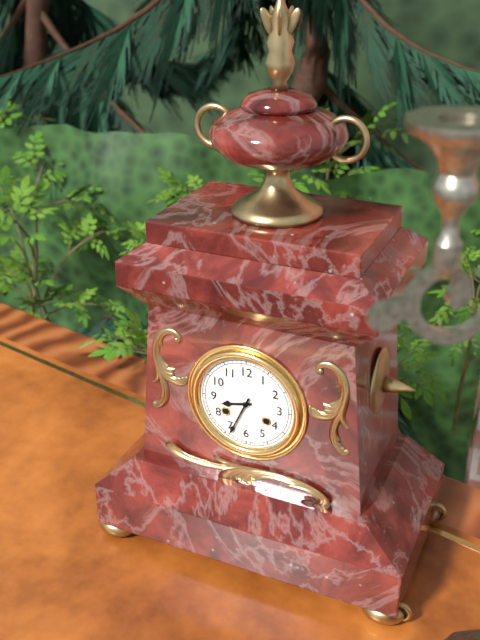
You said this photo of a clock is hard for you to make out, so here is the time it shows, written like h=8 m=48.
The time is h=8 m=34
